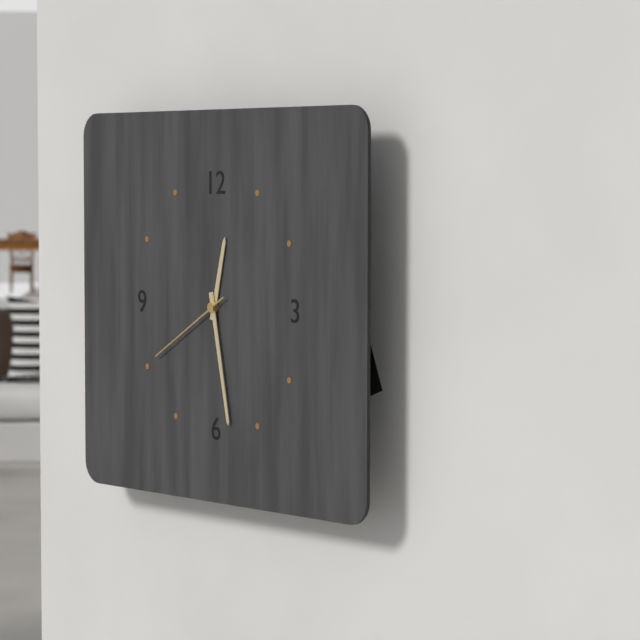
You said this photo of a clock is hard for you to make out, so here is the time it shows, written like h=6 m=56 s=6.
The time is h=12 m=28 s=40
